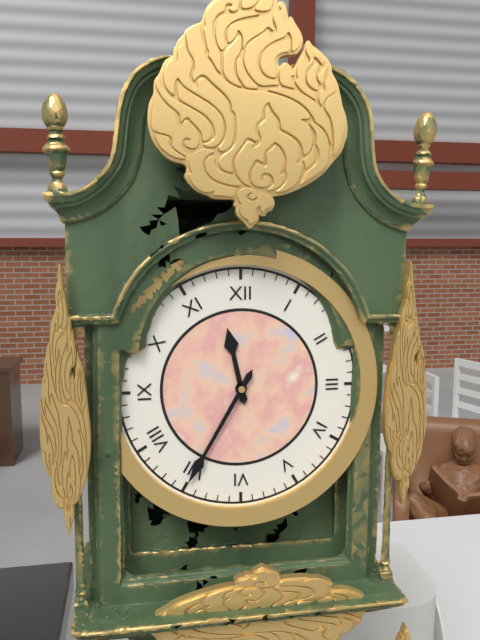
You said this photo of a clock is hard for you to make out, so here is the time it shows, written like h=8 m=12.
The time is h=11 m=35
